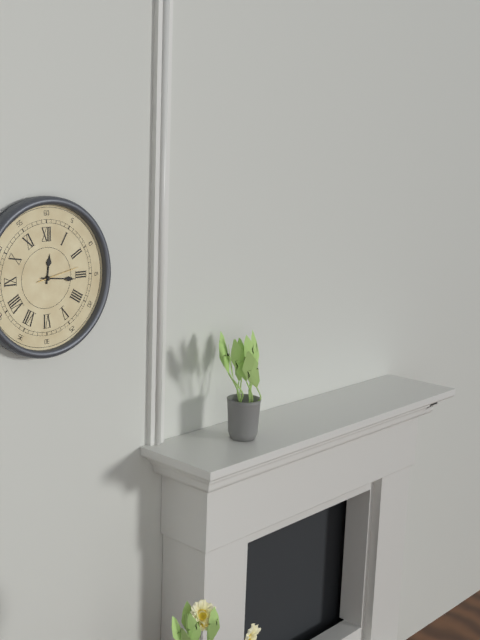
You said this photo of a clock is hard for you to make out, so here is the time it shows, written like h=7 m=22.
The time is h=12 m=16
